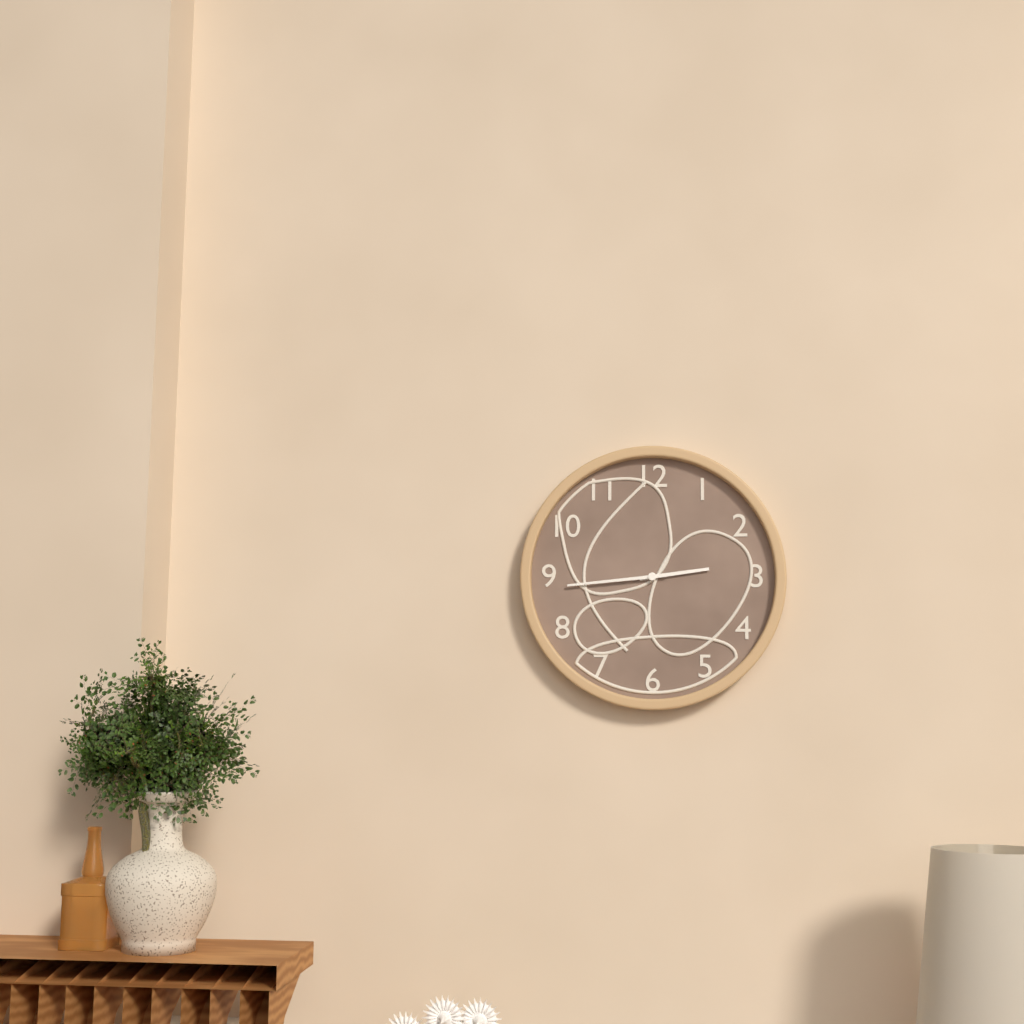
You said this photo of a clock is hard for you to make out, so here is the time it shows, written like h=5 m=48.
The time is h=2 m=44
